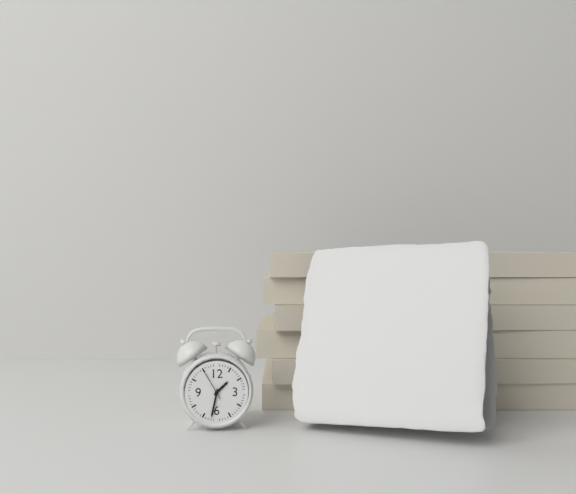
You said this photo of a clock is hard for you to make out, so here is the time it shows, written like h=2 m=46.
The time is h=1 m=32
